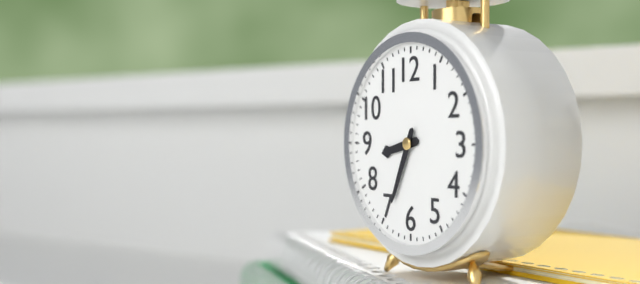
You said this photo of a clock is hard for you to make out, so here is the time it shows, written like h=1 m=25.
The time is h=8 m=34
